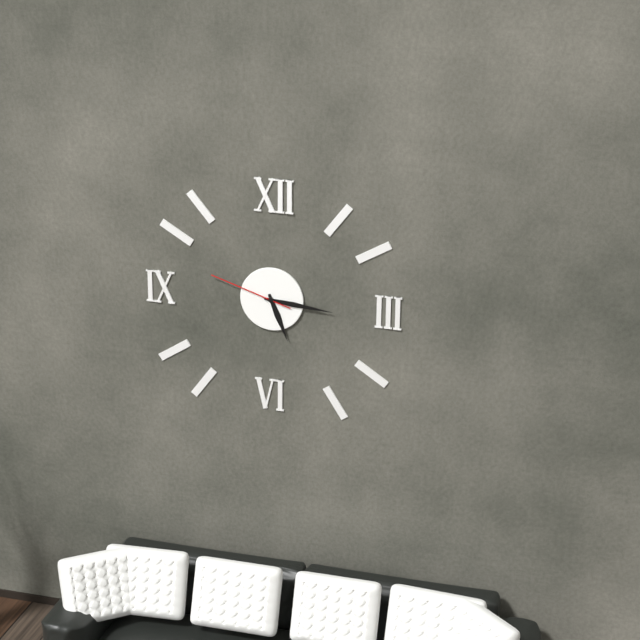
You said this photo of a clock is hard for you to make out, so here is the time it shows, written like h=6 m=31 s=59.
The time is h=5 m=16 s=48
